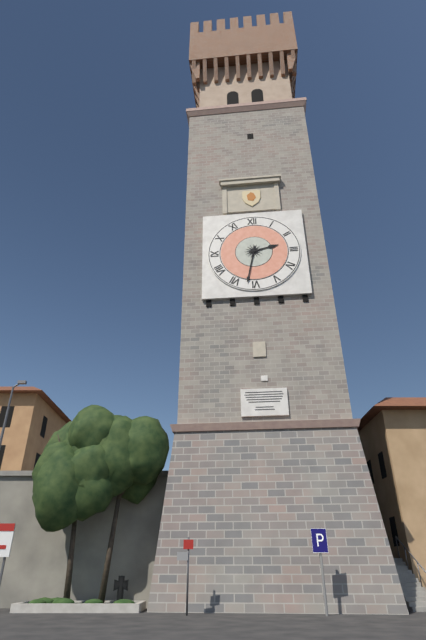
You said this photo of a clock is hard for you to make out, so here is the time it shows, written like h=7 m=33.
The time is h=2 m=32
